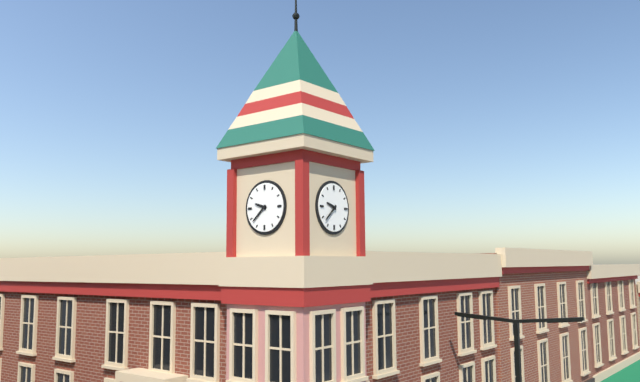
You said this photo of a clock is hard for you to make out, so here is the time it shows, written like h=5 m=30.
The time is h=9 m=38
